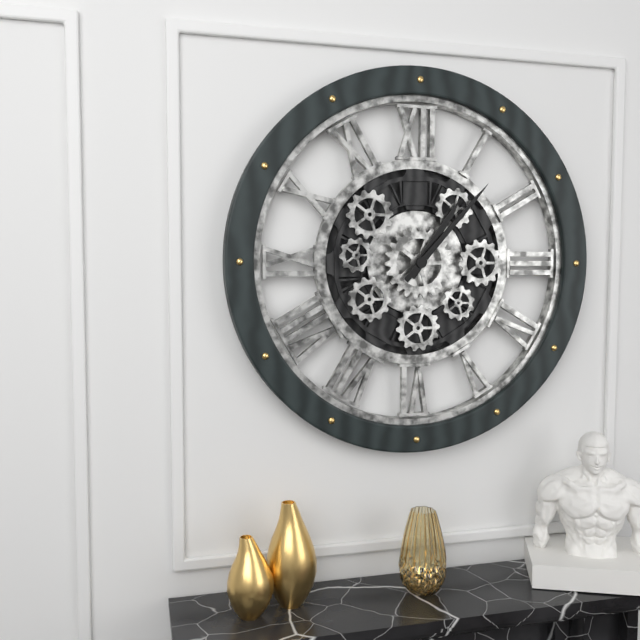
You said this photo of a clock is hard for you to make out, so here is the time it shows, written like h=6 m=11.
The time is h=1 m=7
